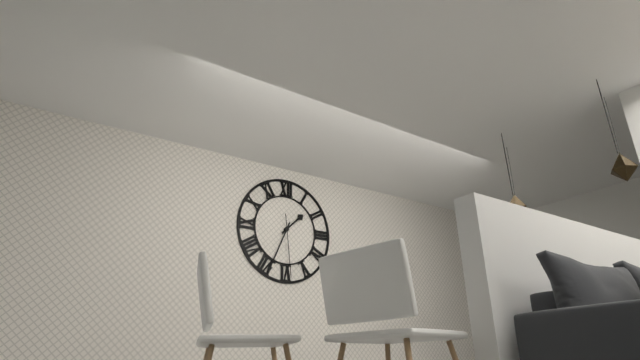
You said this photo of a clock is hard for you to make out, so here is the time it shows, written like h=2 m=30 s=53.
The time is h=1 m=34 s=29
